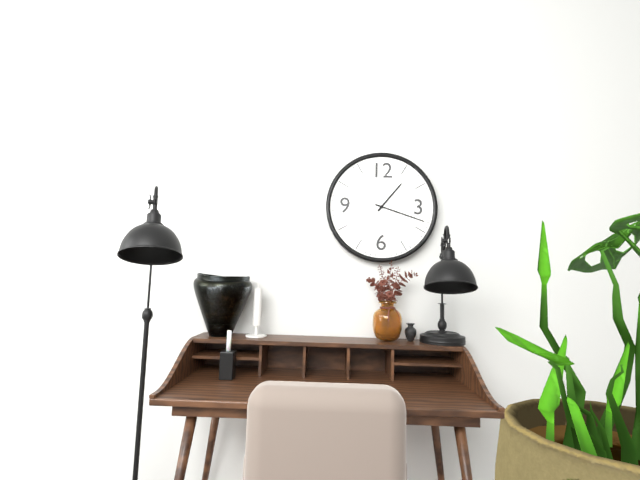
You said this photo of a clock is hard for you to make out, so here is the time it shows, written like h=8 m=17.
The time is h=1 m=18
